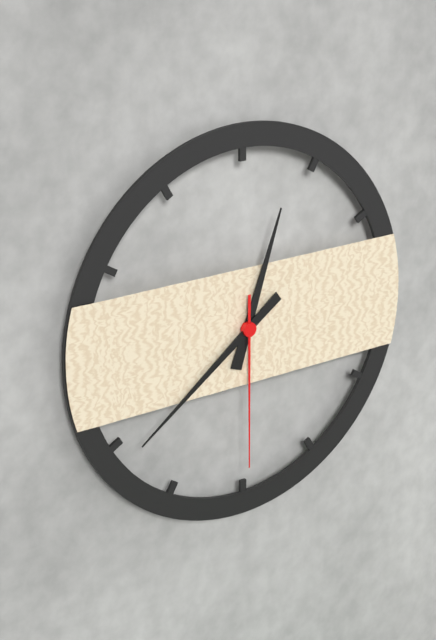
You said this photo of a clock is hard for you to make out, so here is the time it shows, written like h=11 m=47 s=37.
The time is h=12 m=39 s=30
